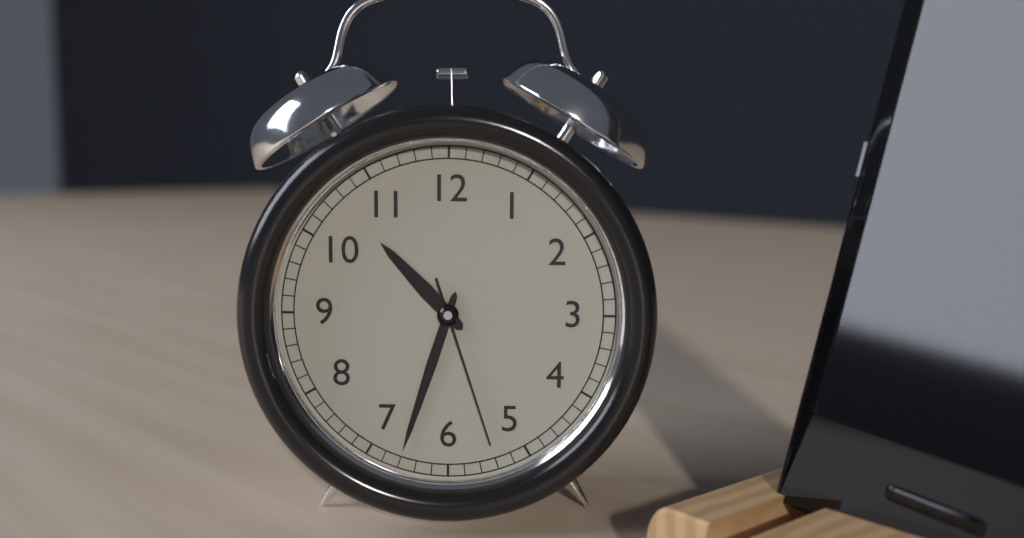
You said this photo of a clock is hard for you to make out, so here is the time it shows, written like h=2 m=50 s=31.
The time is h=10 m=33 s=27
